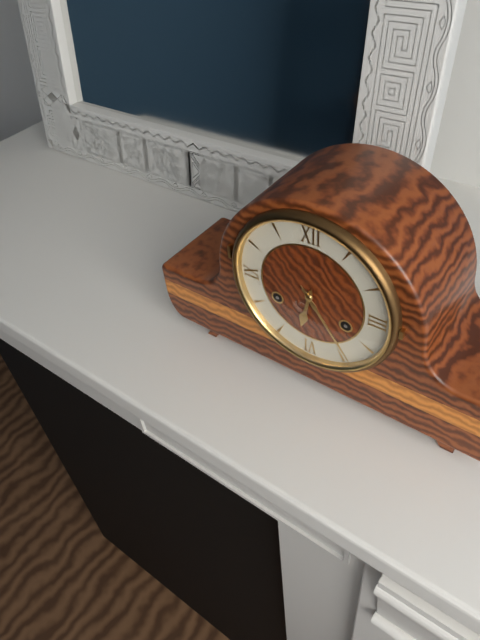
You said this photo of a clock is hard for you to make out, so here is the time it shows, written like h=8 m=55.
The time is h=6 m=24
